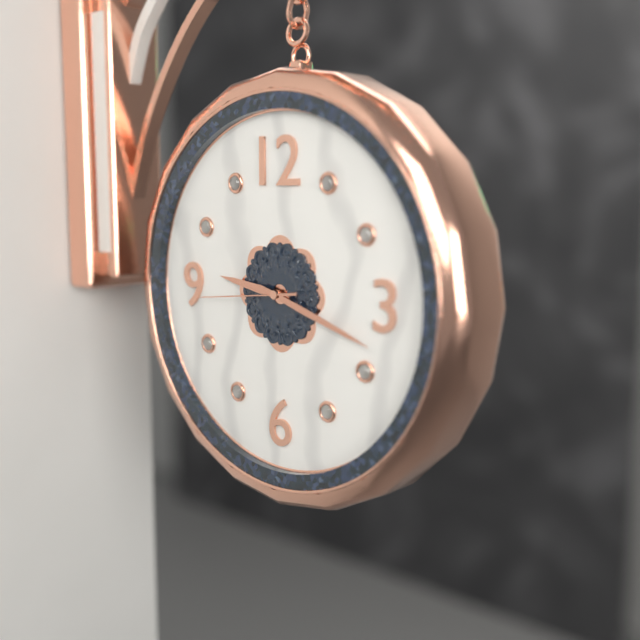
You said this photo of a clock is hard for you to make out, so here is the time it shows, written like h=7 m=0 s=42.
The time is h=9 m=18 s=44
